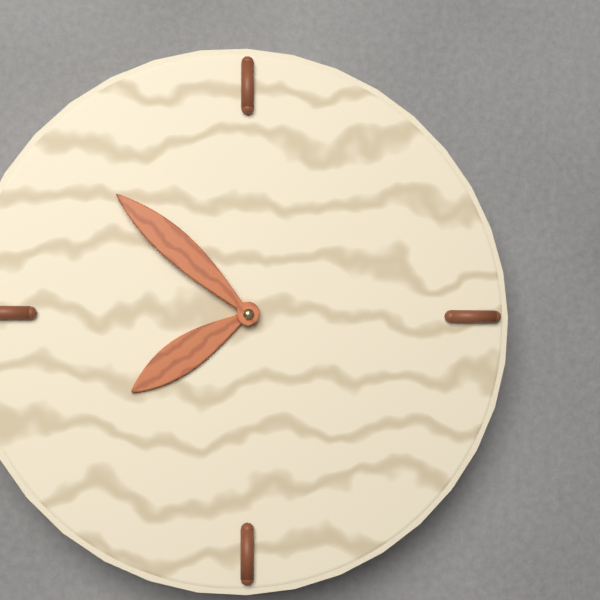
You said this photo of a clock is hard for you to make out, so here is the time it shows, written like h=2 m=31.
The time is h=7 m=52
